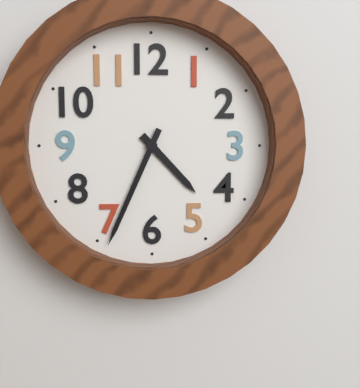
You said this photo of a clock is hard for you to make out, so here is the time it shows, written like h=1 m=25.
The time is h=4 m=34
